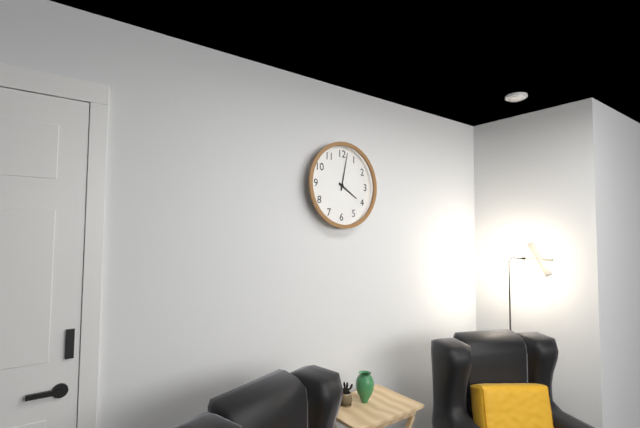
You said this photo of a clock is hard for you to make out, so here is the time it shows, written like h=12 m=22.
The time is h=4 m=2
